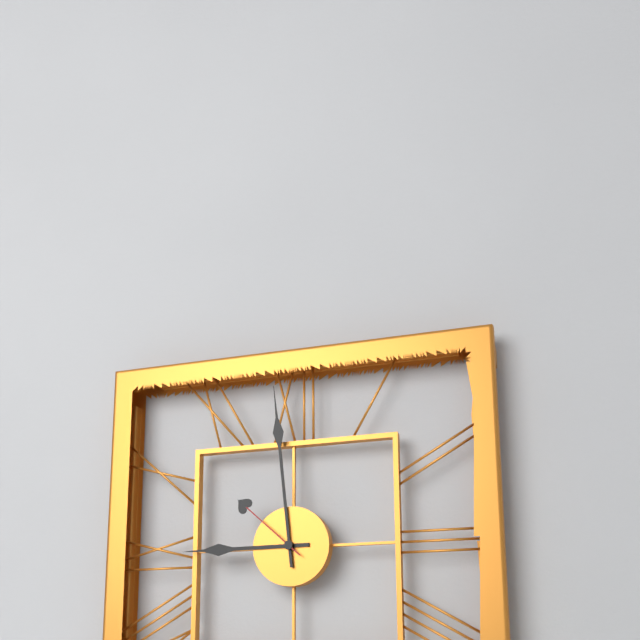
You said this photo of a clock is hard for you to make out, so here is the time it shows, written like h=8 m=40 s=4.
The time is h=8 m=59 s=52
